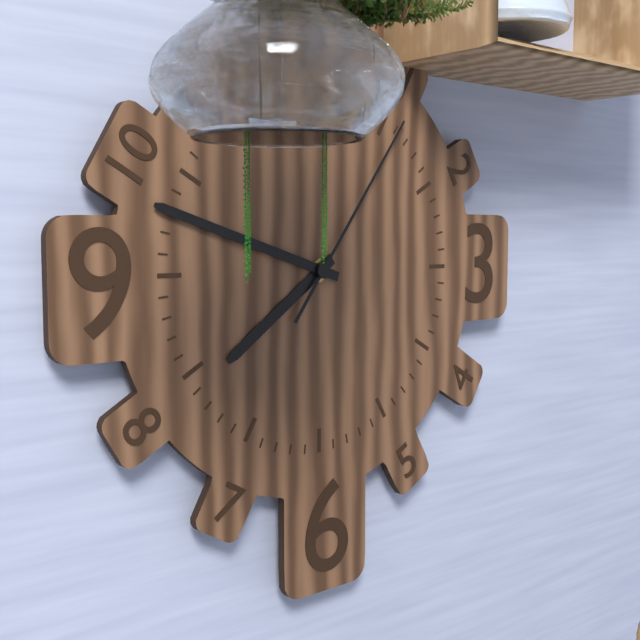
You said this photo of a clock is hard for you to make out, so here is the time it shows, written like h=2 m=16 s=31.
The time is h=7 m=48 s=6
